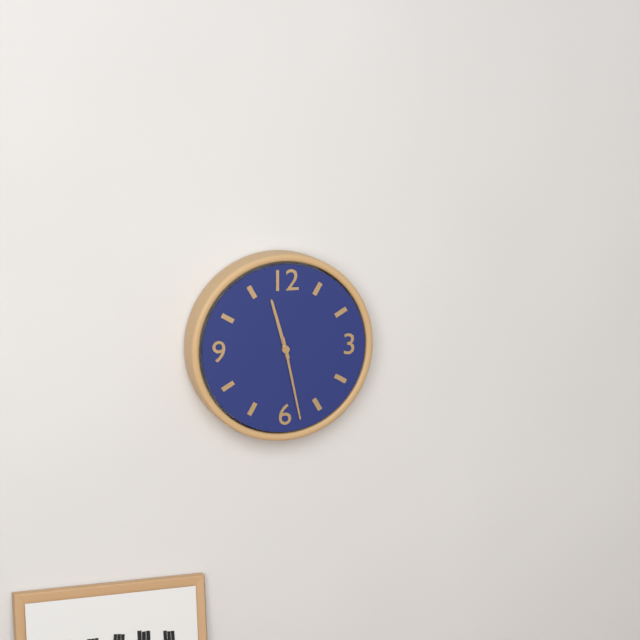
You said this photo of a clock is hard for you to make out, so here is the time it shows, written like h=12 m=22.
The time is h=11 m=28
